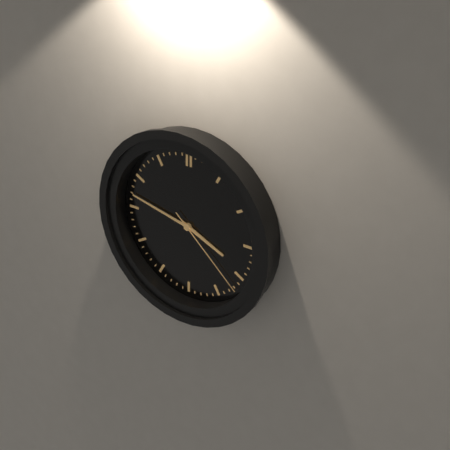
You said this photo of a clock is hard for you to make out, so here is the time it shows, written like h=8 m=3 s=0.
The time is h=3 m=47 s=22
